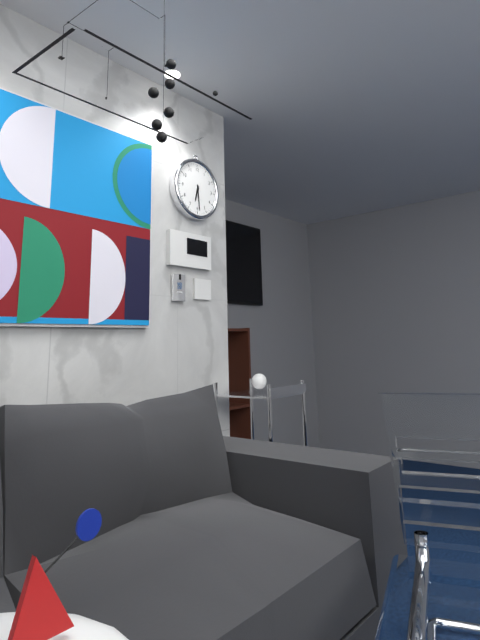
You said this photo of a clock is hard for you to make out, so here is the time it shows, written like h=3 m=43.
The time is h=6 m=29
